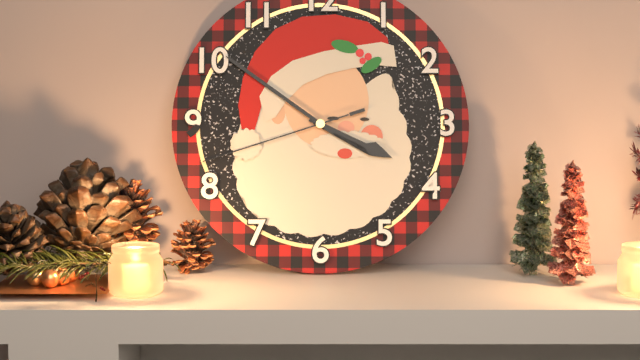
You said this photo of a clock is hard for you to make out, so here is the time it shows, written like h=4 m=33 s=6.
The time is h=3 m=51 s=42
